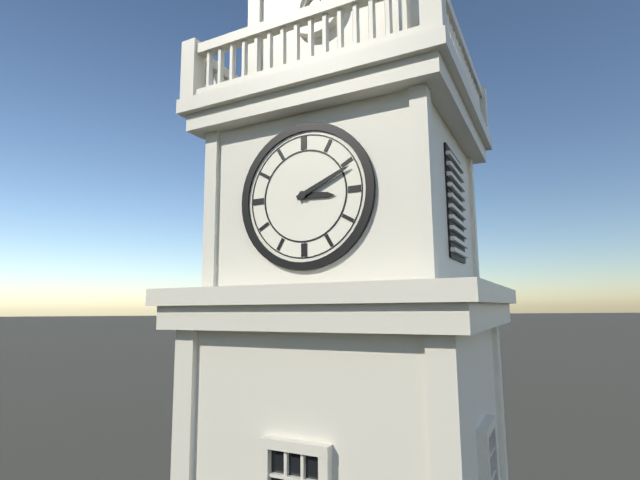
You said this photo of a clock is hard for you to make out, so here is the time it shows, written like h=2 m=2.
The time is h=3 m=11
